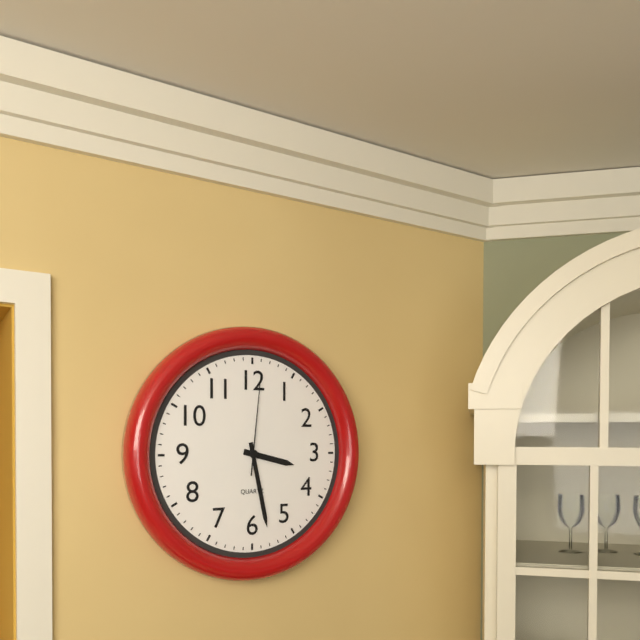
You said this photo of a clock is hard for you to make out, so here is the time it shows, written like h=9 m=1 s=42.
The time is h=3 m=28 s=1
